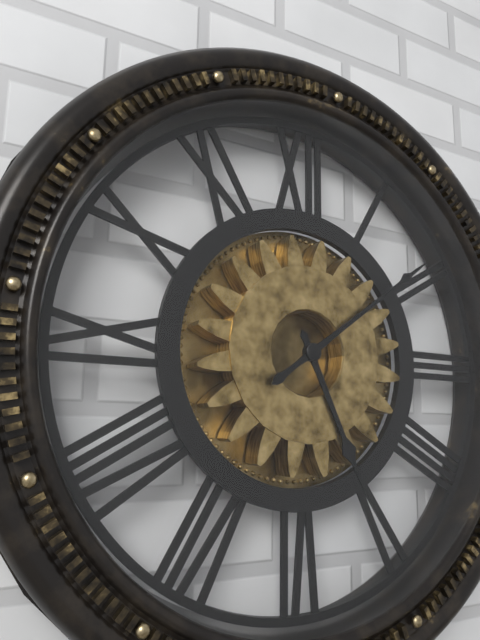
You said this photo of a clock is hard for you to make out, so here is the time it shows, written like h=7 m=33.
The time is h=5 m=9
